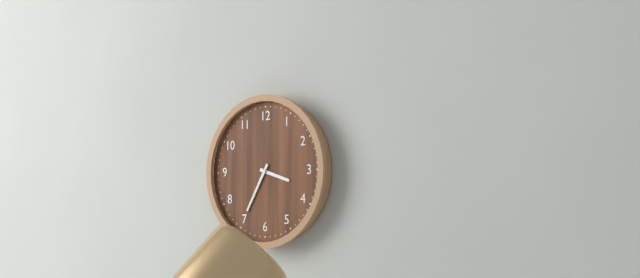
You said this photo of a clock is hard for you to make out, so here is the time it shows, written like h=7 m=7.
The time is h=3 m=35
